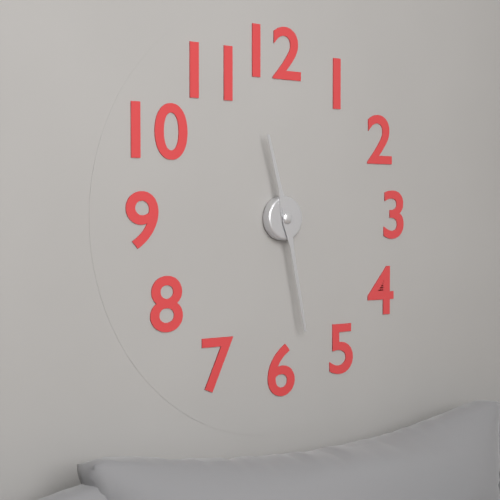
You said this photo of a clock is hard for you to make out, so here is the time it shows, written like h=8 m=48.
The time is h=11 m=28
